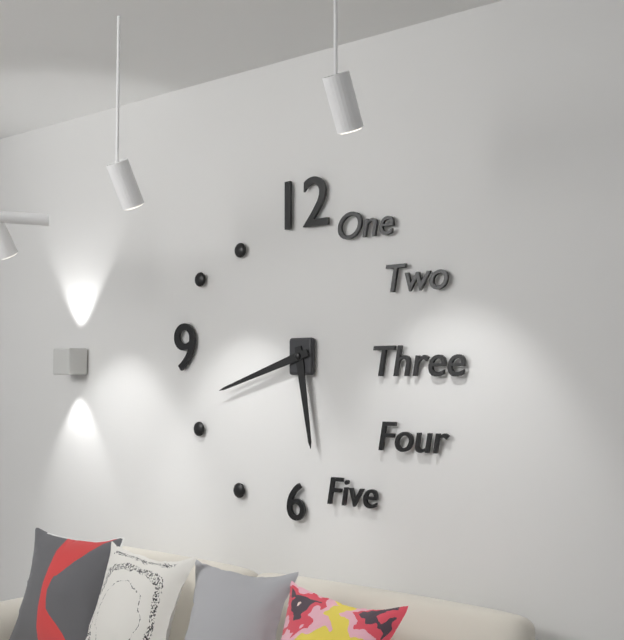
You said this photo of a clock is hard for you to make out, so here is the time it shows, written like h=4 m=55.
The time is h=5 m=42
